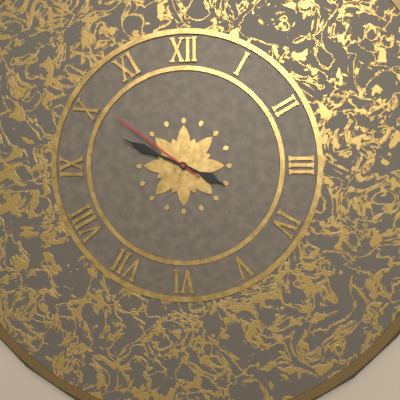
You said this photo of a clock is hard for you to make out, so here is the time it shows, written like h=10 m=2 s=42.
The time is h=3 m=49 s=51
